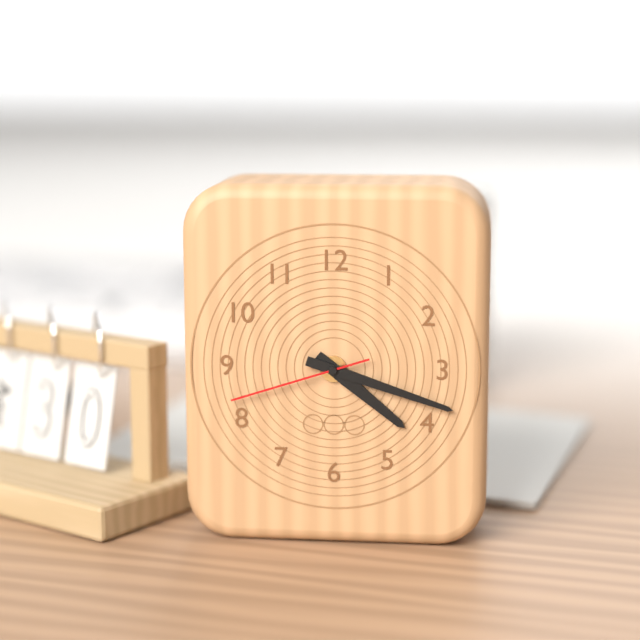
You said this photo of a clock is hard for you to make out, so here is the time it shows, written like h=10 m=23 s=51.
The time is h=4 m=18 s=42
